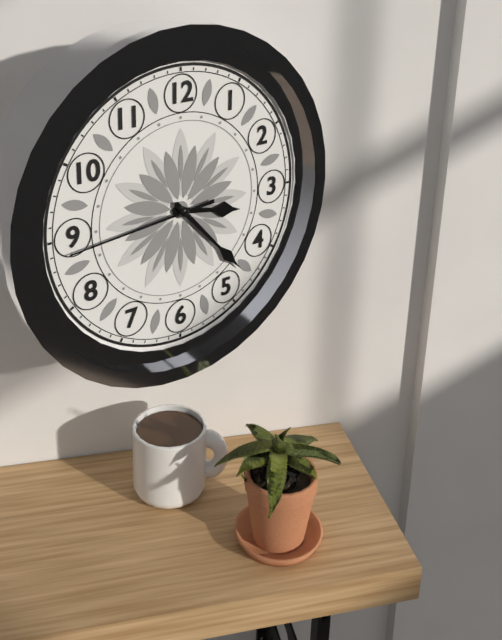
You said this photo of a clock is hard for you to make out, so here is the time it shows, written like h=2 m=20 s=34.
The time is h=3 m=23 s=44
